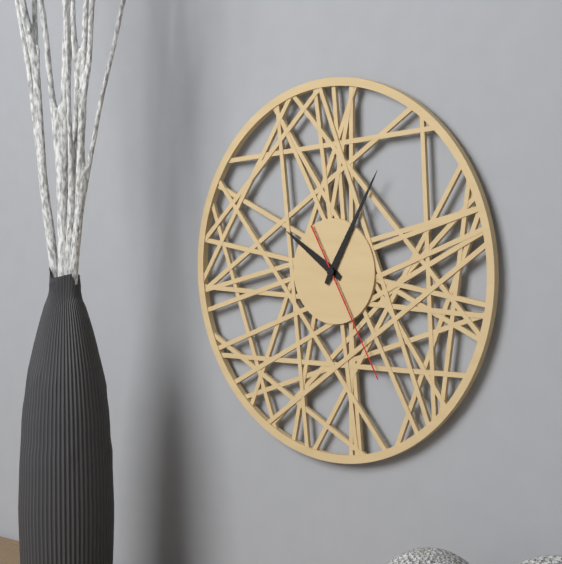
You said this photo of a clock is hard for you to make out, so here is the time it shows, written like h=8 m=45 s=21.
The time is h=10 m=5 s=25
